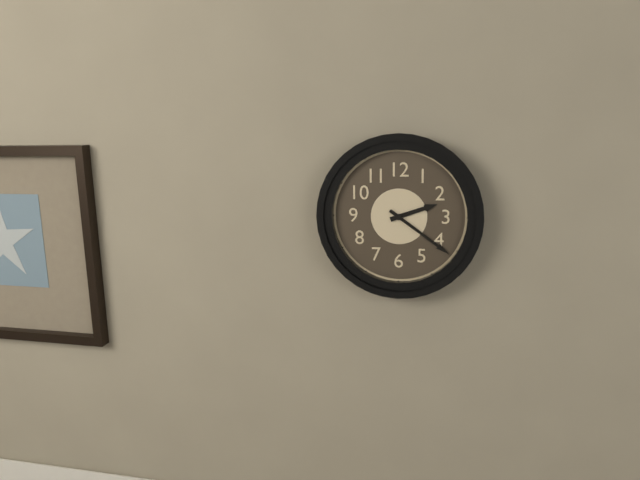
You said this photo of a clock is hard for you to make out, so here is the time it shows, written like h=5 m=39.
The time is h=2 m=21
